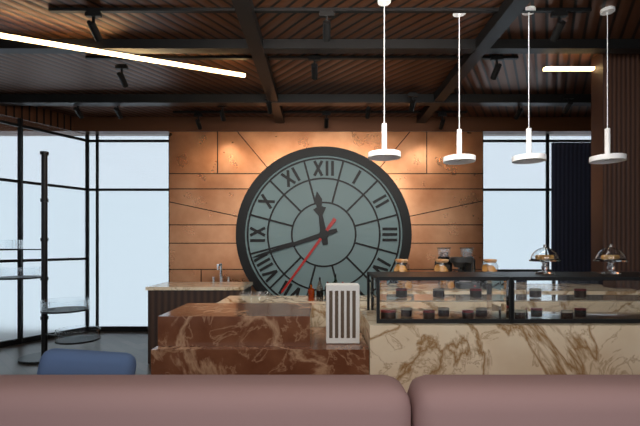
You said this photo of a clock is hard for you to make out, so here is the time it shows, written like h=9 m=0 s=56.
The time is h=11 m=42 s=36
